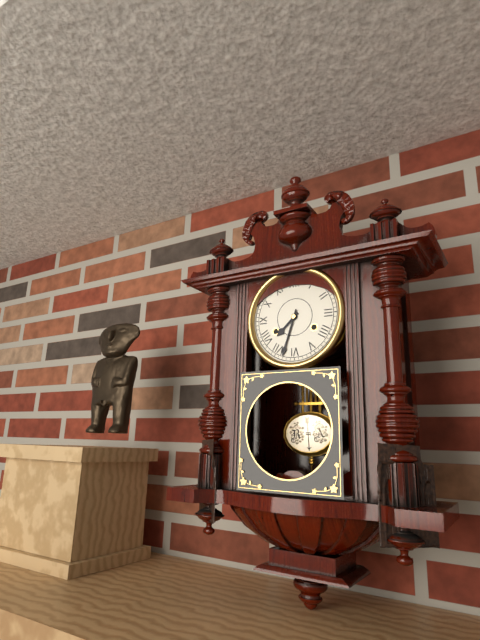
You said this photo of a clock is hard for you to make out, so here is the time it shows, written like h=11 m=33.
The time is h=7 m=33
